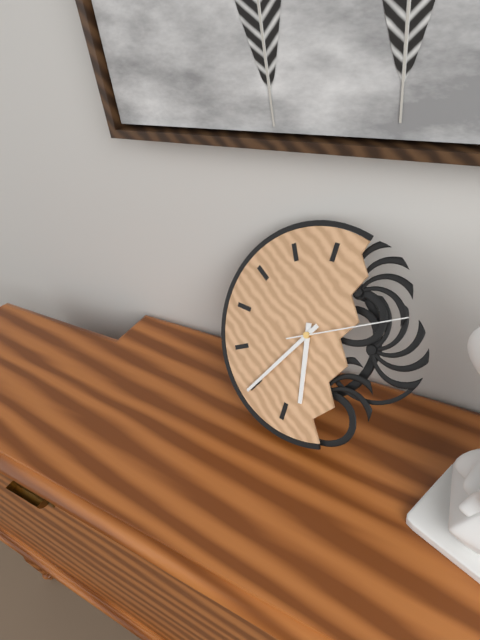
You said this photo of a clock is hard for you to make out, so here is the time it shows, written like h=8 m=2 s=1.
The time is h=5 m=35 s=10
